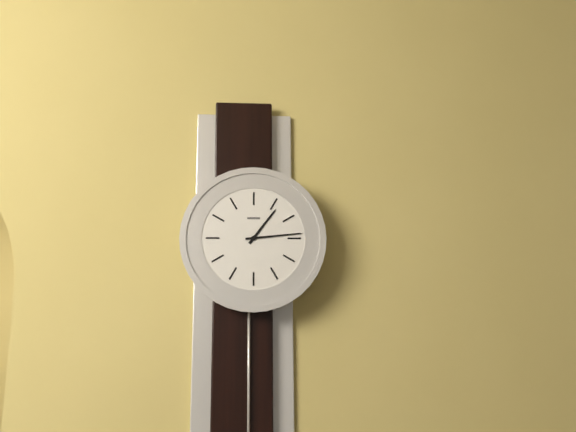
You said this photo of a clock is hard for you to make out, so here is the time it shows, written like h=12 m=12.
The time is h=1 m=14
